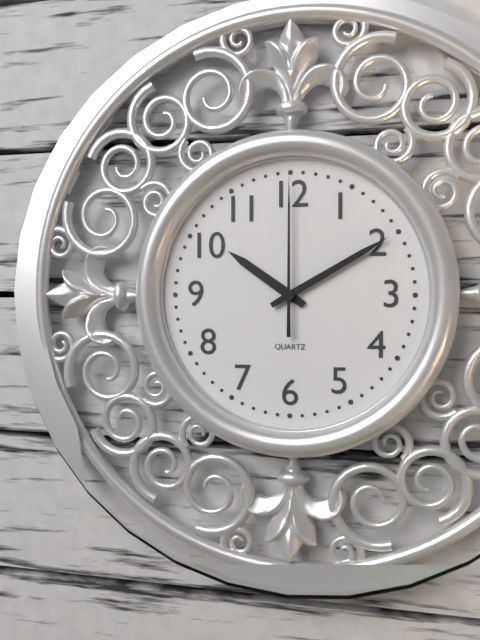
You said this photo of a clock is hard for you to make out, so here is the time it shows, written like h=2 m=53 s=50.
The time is h=10 m=10 s=0
